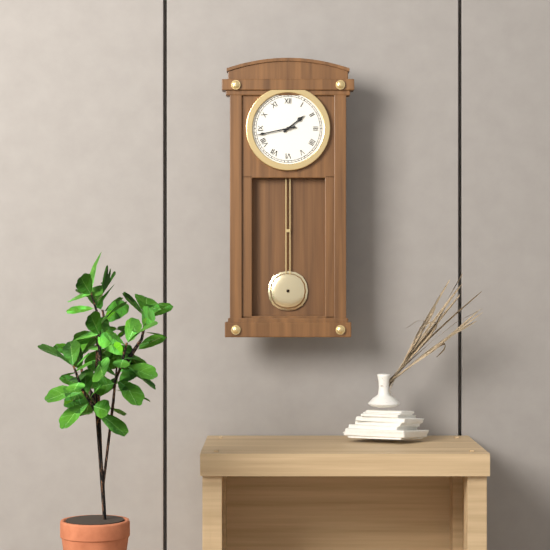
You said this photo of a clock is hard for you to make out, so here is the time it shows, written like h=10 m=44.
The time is h=1 m=43
